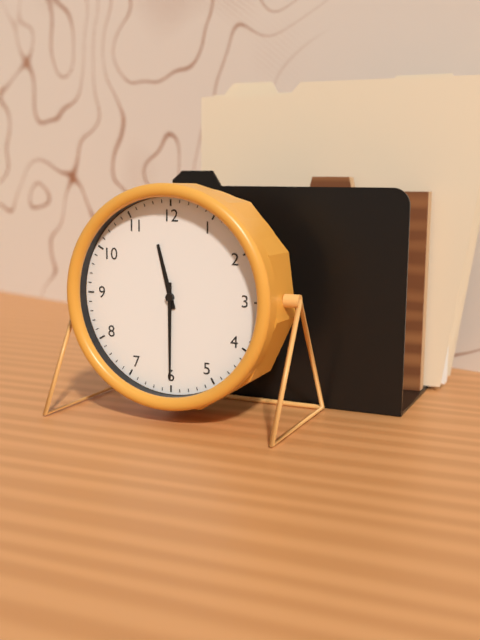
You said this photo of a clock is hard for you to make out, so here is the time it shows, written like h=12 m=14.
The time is h=11 m=30
